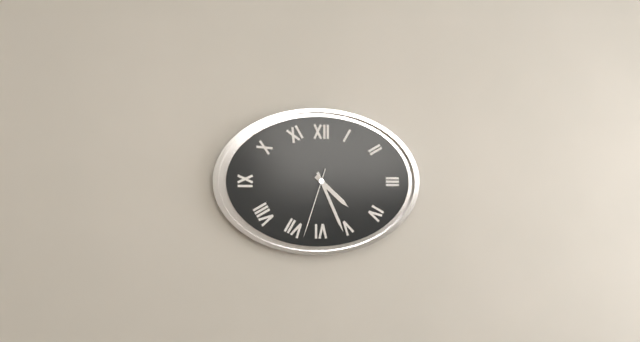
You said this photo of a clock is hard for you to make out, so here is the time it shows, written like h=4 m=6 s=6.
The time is h=4 m=26 s=33
